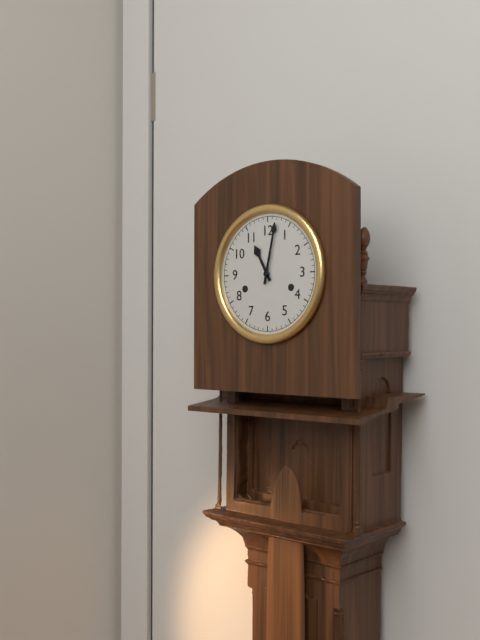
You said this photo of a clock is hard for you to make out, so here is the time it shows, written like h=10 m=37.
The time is h=11 m=2
